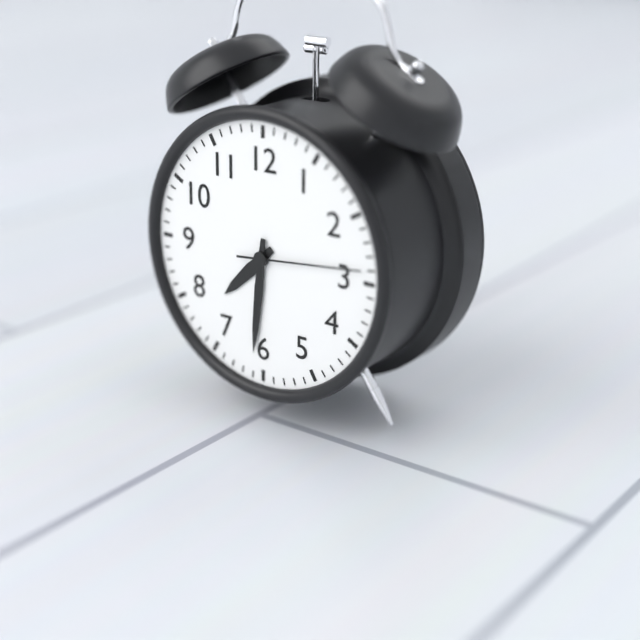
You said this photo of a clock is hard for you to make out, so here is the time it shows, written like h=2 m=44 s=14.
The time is h=7 m=31 s=14
